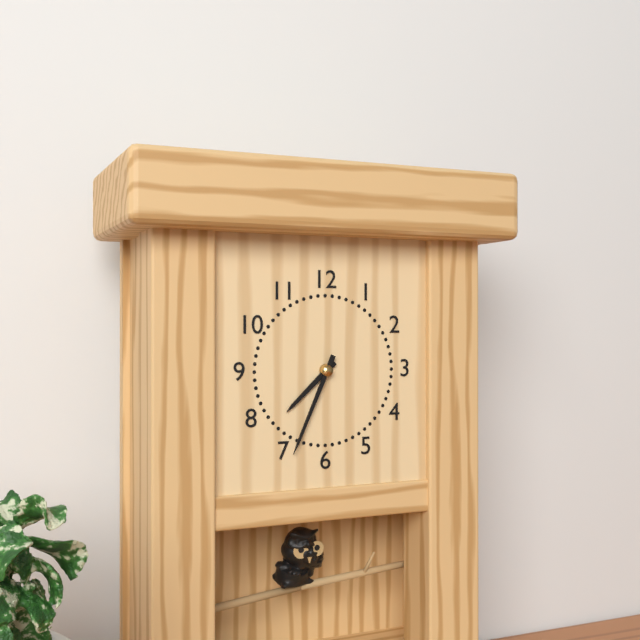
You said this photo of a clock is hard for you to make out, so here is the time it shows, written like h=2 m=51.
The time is h=7 m=34
